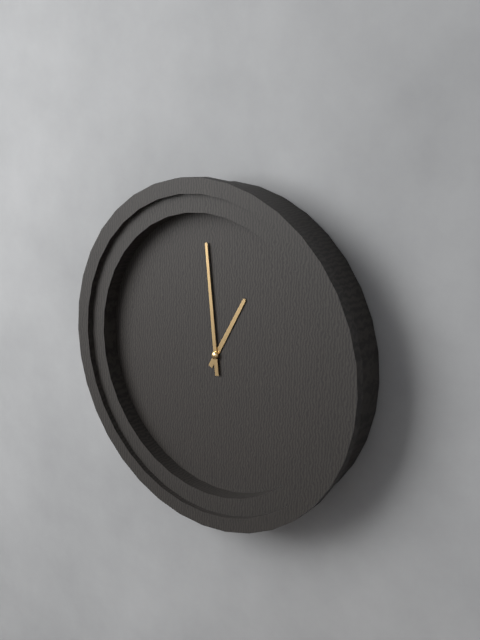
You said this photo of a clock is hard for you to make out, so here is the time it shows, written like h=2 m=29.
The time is h=12 m=59
